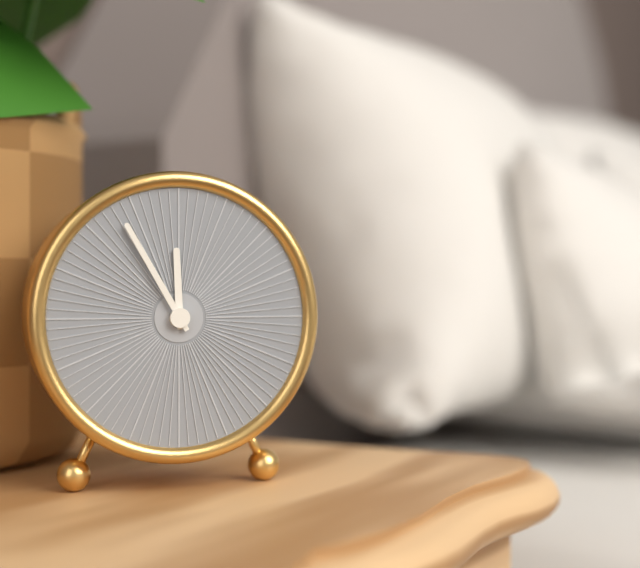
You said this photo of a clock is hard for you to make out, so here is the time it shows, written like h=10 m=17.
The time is h=11 m=55
